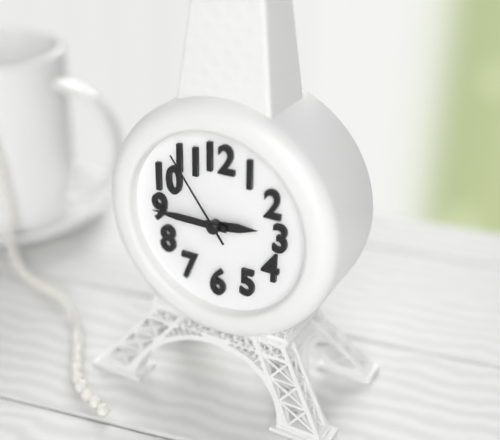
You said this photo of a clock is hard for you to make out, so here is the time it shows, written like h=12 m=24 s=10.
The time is h=2 m=45 s=54
